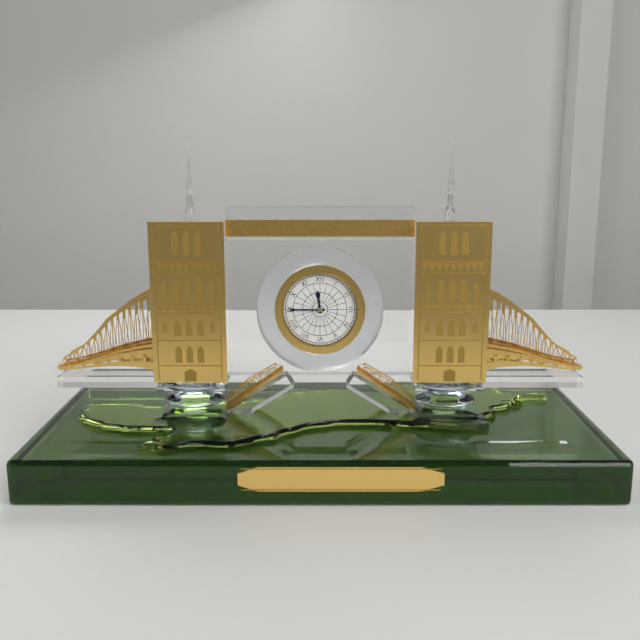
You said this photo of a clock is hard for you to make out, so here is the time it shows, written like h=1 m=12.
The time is h=11 m=45
